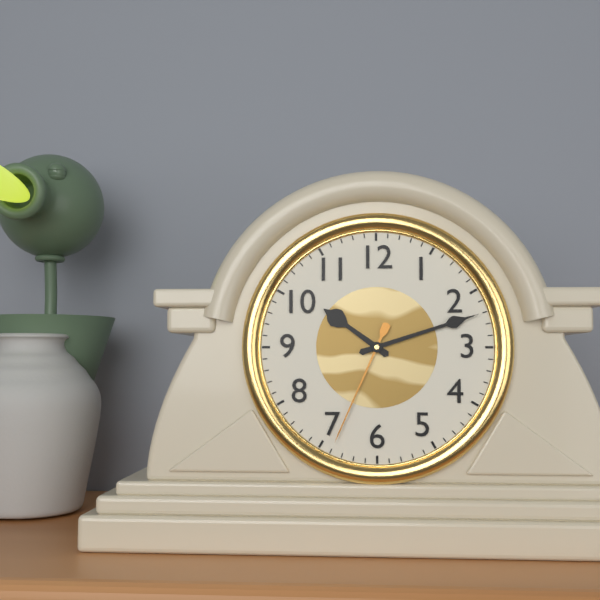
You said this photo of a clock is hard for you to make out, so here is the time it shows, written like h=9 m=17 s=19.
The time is h=10 m=12 s=34
